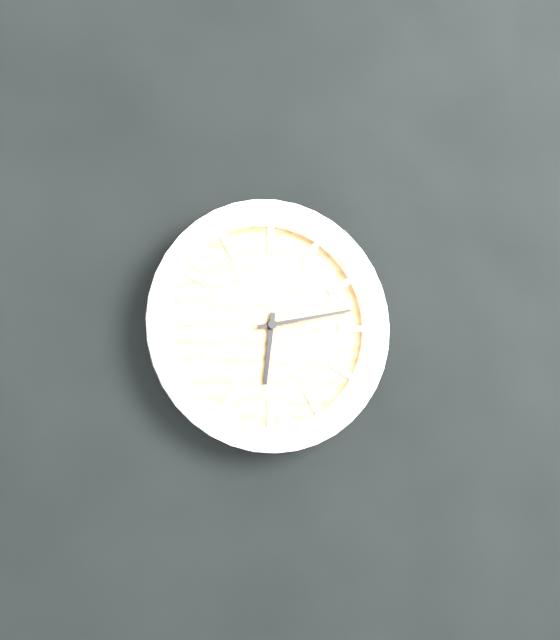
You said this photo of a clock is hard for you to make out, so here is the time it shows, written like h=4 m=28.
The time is h=6 m=13
